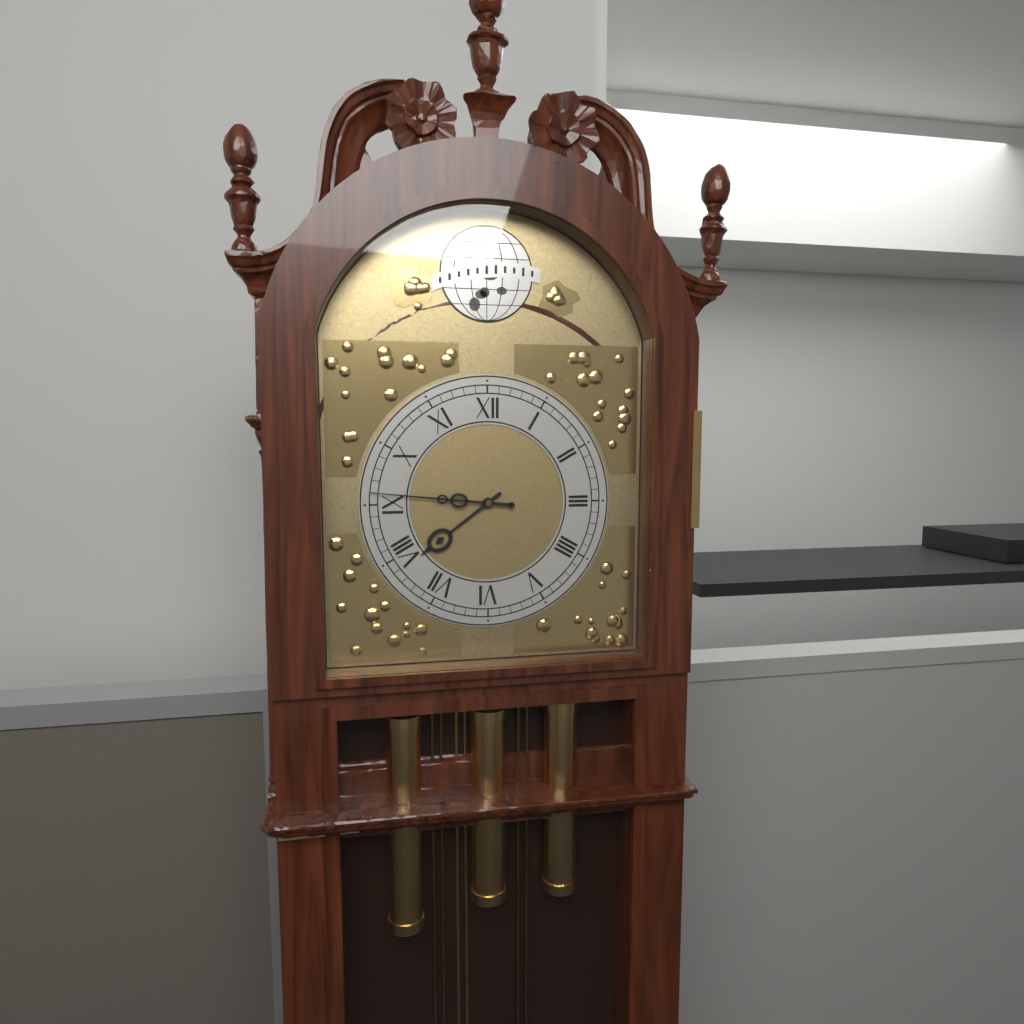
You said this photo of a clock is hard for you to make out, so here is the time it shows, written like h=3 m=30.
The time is h=7 m=46
